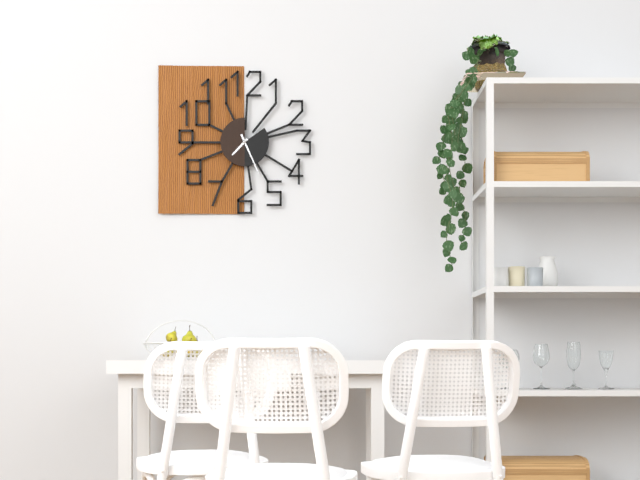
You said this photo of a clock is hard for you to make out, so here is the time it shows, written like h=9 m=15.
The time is h=7 m=26
